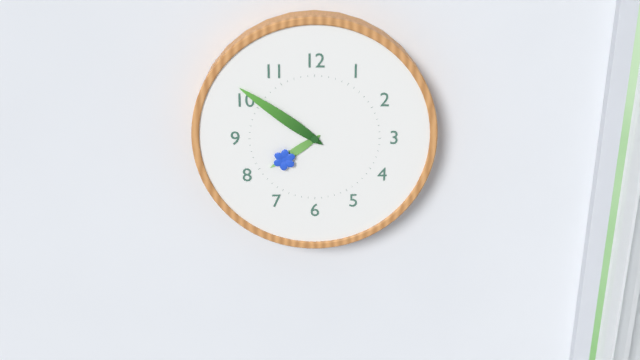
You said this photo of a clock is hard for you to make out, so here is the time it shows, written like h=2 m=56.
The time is h=7 m=51
